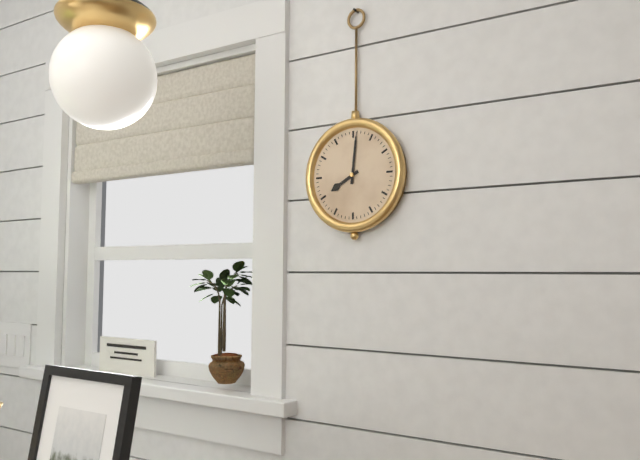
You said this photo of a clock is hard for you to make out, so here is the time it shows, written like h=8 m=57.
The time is h=8 m=1
